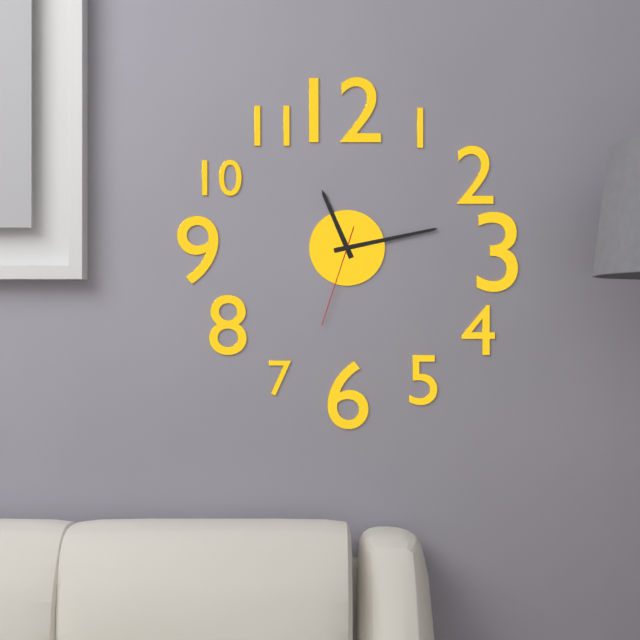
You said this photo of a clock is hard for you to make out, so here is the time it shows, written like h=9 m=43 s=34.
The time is h=11 m=13 s=33
